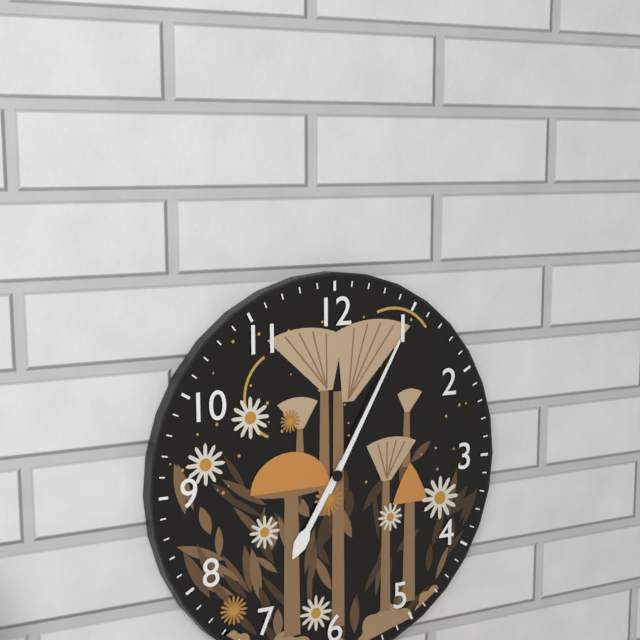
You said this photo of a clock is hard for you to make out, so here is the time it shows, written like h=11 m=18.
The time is h=7 m=5
